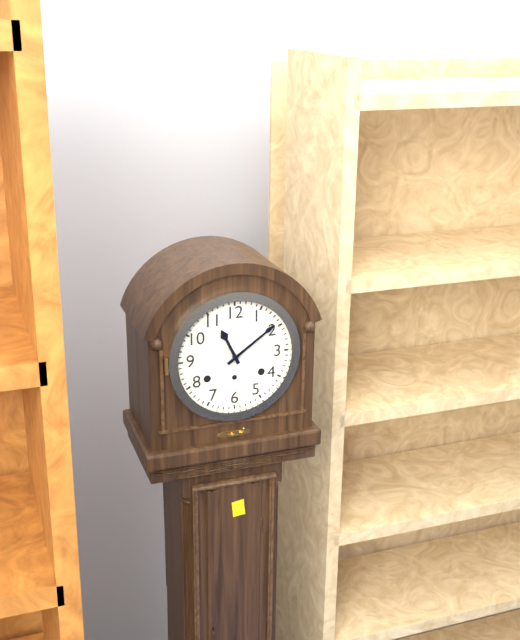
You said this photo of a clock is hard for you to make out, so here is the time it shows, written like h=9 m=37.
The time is h=11 m=9
